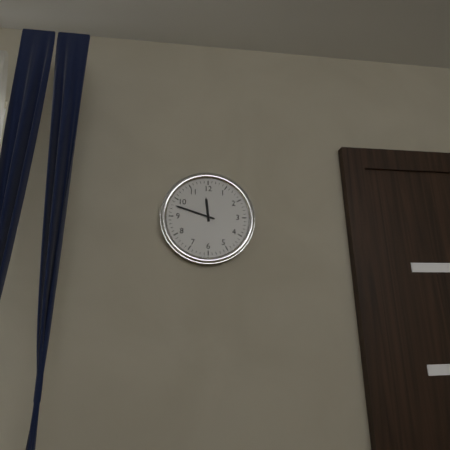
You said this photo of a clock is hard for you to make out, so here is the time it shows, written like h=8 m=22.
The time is h=11 m=48
